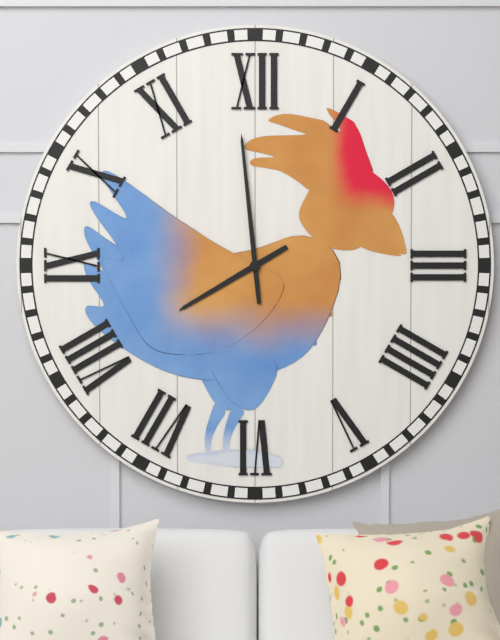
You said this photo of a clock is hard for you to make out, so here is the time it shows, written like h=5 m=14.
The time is h=7 m=59
